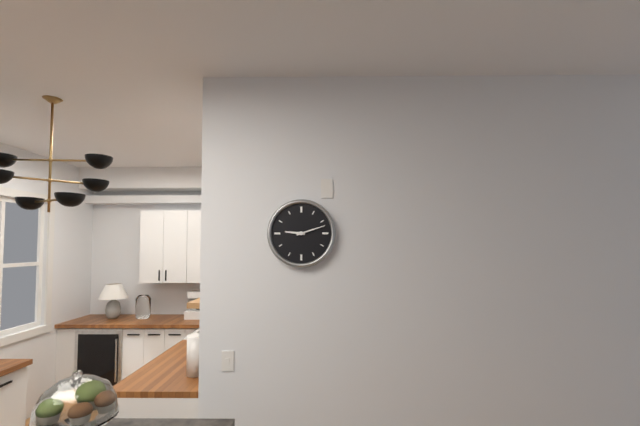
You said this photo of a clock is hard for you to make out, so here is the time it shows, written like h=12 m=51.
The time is h=9 m=12
